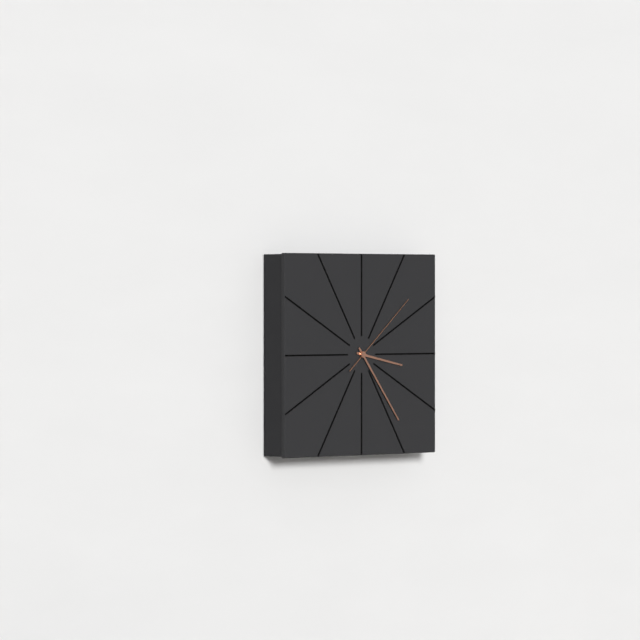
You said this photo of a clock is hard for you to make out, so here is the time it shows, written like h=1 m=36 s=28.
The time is h=3 m=24 s=8
